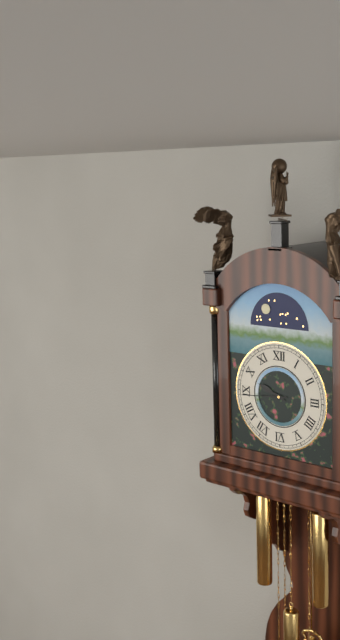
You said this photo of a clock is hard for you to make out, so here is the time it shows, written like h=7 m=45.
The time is h=9 m=44
